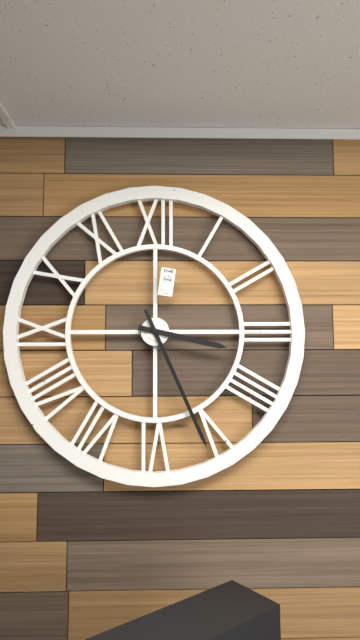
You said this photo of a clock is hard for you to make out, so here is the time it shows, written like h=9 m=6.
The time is h=3 m=26
